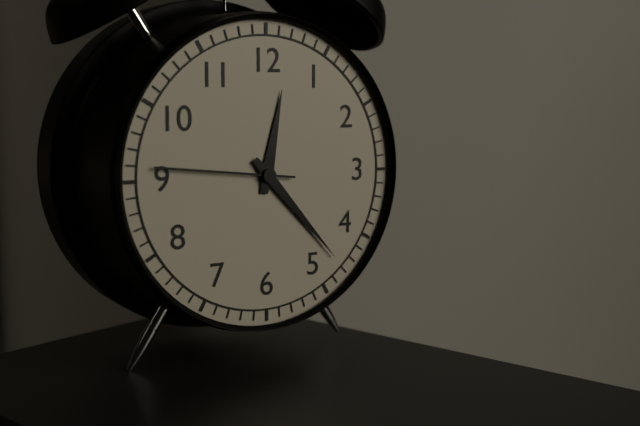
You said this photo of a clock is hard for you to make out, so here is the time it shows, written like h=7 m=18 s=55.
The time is h=12 m=23 s=46
